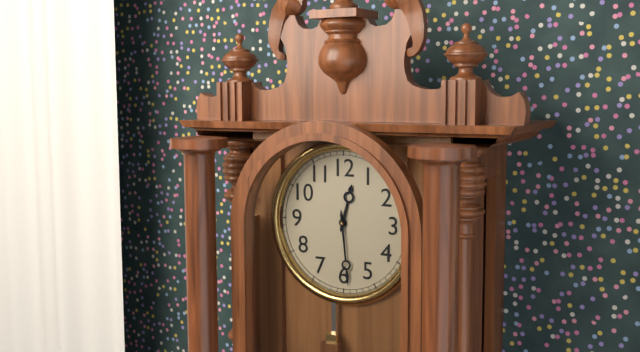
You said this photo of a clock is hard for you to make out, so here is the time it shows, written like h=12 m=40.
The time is h=12 m=29
